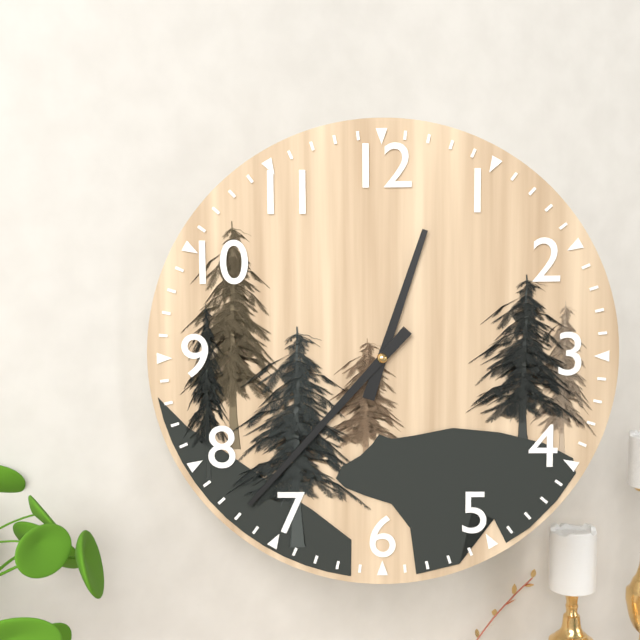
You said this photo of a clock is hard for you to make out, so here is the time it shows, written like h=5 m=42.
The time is h=12 m=37
